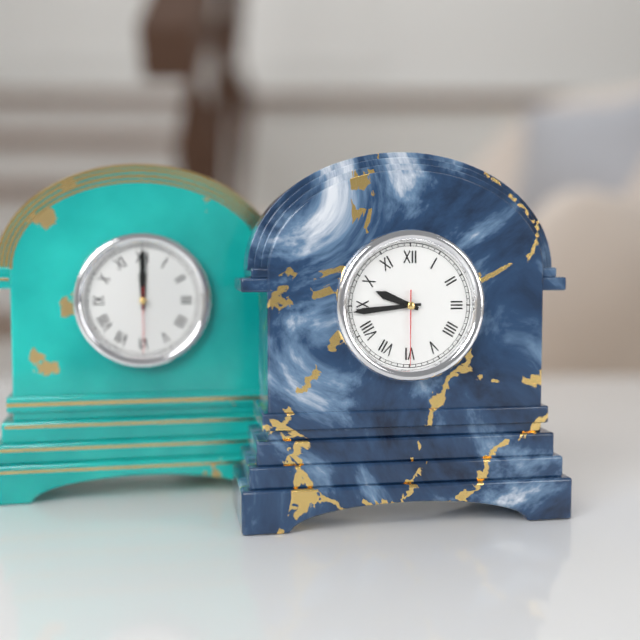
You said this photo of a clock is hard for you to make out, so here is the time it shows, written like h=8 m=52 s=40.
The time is h=9 m=44 s=30
